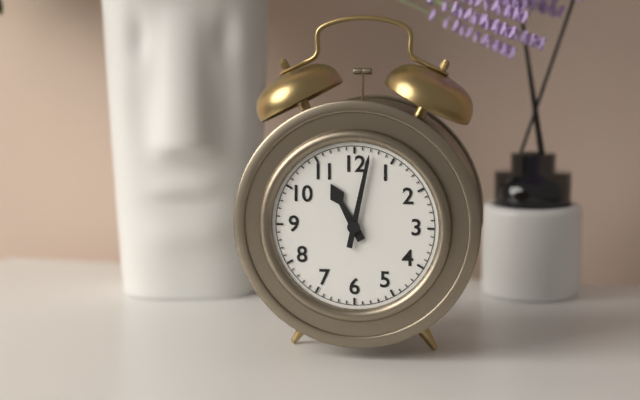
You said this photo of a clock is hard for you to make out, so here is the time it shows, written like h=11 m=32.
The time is h=11 m=2
